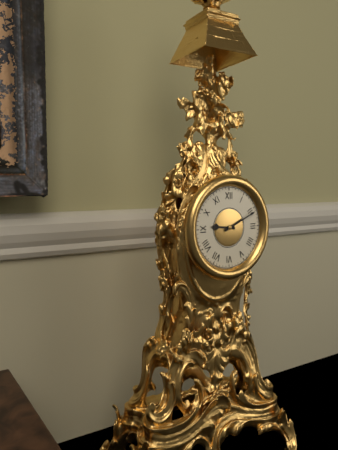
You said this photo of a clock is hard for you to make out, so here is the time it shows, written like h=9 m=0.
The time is h=9 m=11
